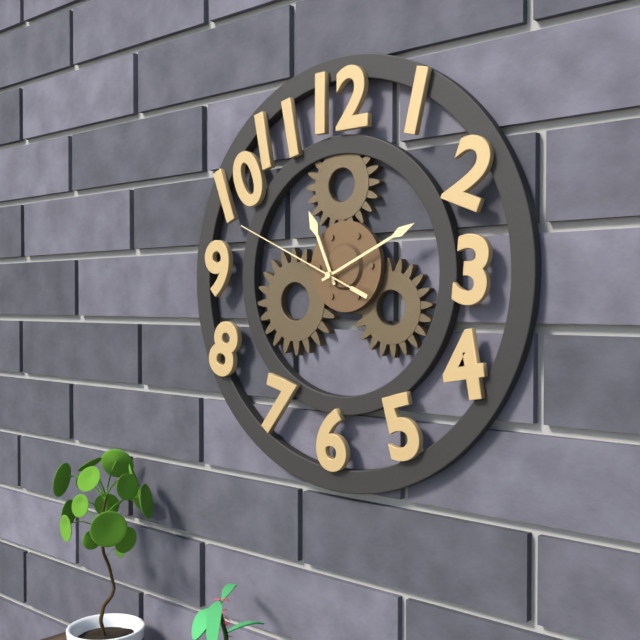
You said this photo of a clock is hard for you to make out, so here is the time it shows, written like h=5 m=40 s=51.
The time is h=11 m=11 s=49
